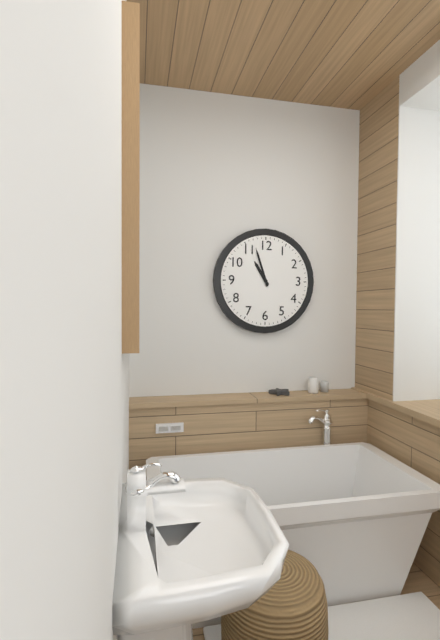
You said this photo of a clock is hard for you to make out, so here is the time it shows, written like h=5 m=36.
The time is h=10 m=57
